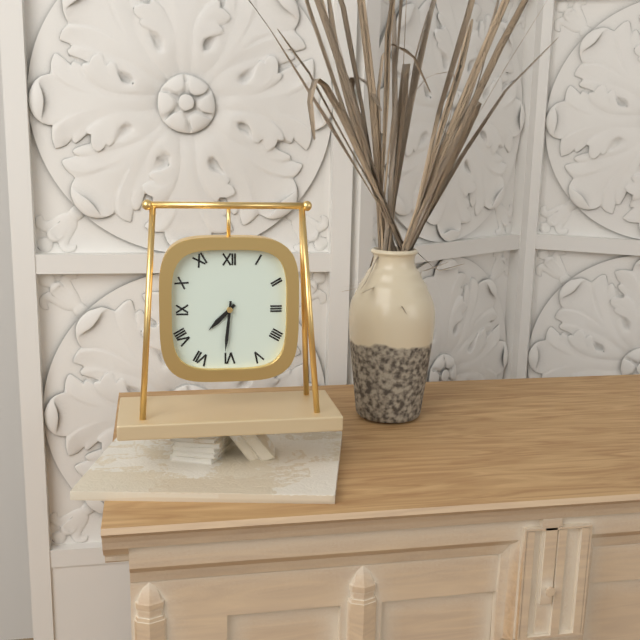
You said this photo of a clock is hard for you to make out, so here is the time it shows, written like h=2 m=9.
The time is h=7 m=31
